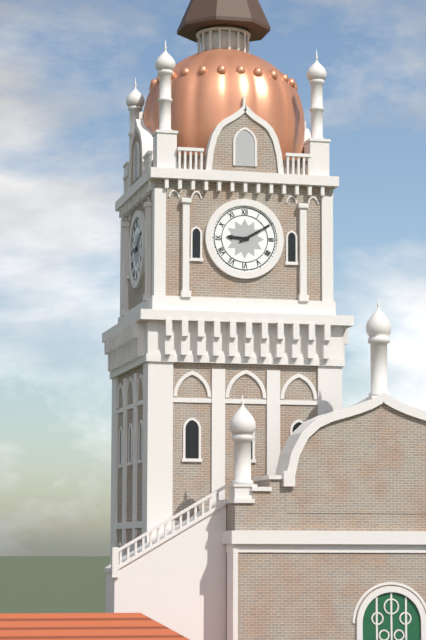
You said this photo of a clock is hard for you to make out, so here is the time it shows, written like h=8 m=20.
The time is h=9 m=10
